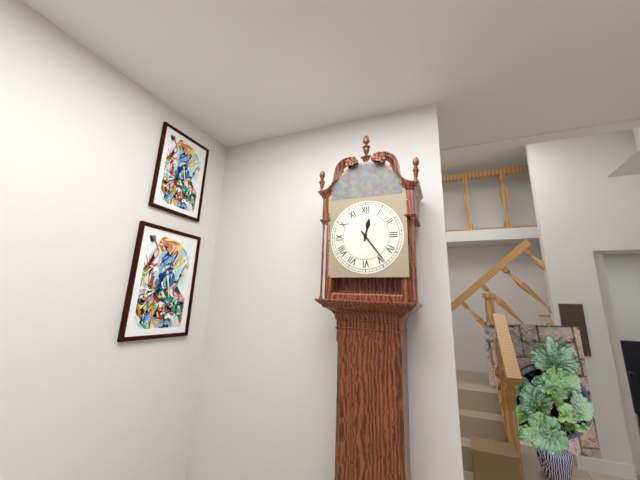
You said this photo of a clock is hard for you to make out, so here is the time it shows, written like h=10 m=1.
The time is h=12 m=24
